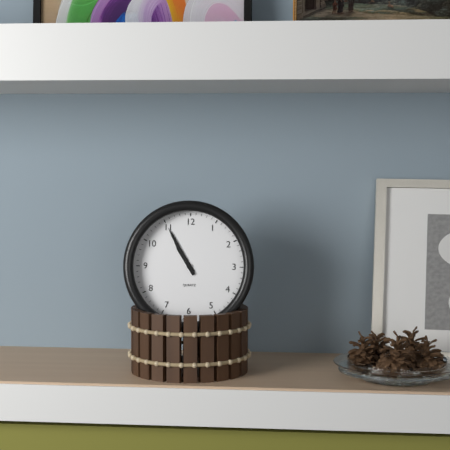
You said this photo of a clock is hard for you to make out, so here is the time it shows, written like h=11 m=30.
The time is h=10 m=55
